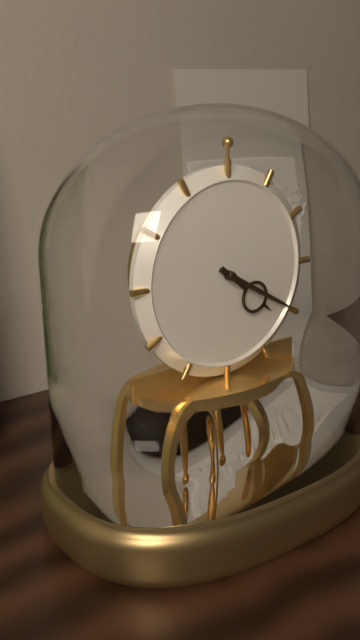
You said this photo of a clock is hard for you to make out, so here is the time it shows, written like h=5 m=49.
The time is h=4 m=20
